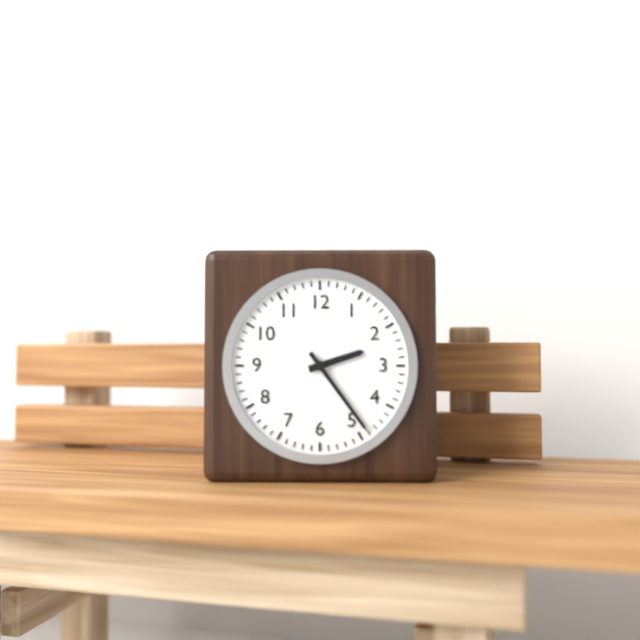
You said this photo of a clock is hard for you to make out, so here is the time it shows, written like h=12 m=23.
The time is h=2 m=24
